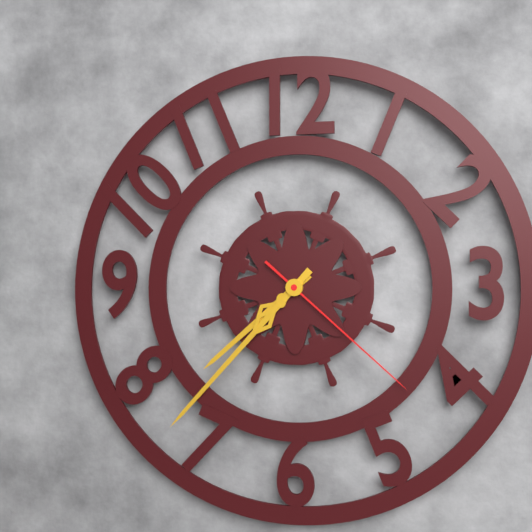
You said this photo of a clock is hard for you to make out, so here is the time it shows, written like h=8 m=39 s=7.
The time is h=7 m=37 s=22
